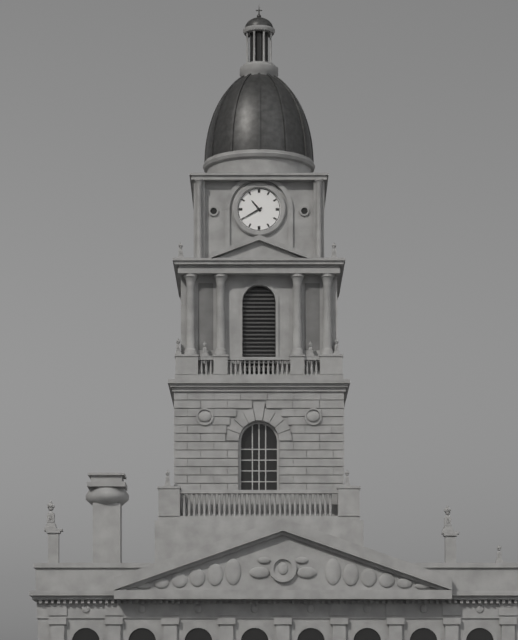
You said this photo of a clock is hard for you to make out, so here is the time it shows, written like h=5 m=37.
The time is h=10 m=40
